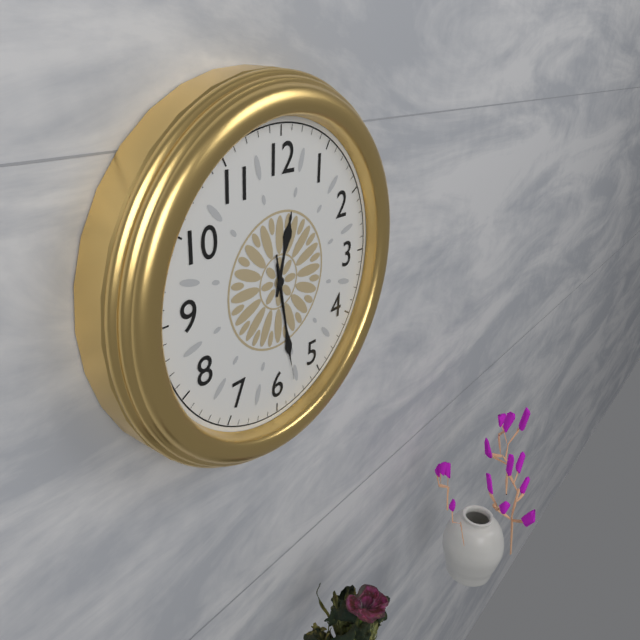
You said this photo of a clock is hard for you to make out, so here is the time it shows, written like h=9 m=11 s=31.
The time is h=12 m=28 s=28
